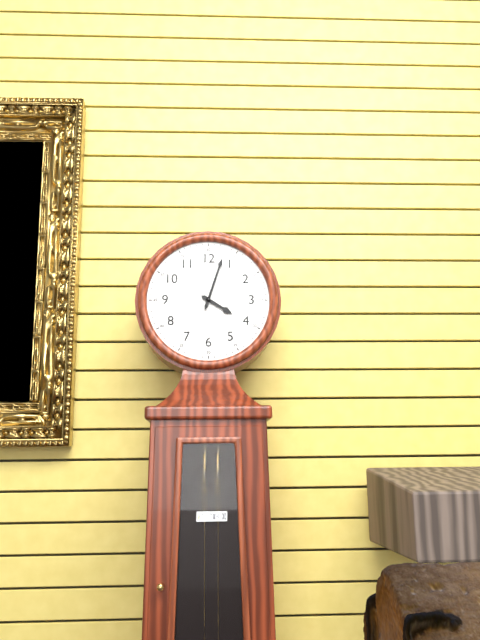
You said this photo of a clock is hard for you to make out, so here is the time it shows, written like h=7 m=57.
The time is h=4 m=3
